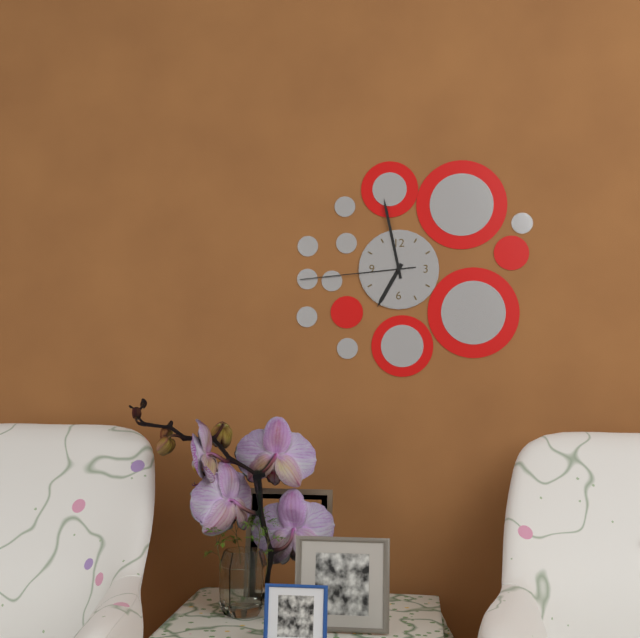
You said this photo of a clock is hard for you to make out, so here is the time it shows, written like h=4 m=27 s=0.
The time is h=6 m=58 s=44
